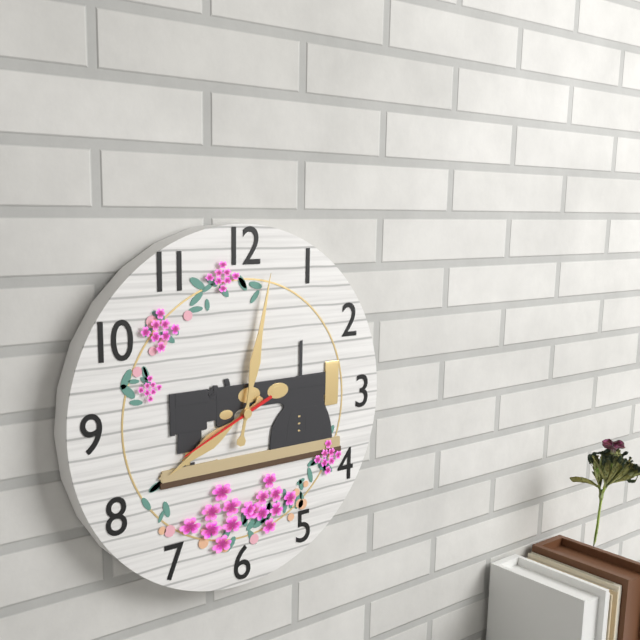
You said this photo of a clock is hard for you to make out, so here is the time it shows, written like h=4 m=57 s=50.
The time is h=8 m=2 s=41
